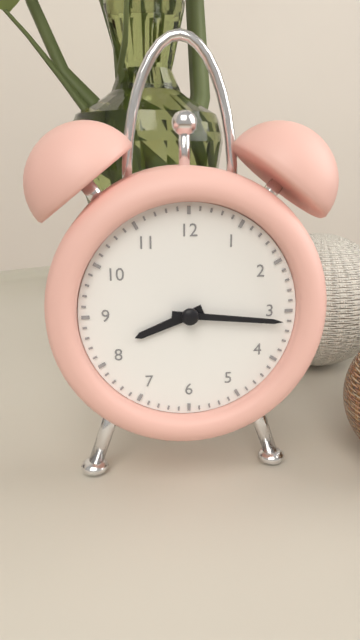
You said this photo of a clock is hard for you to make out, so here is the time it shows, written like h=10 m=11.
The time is h=8 m=16
